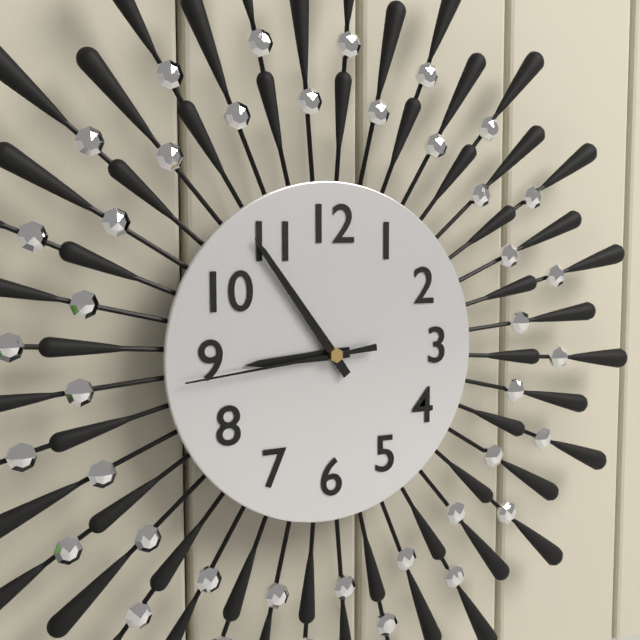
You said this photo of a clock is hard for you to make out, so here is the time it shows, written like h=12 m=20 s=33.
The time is h=8 m=54 s=44
